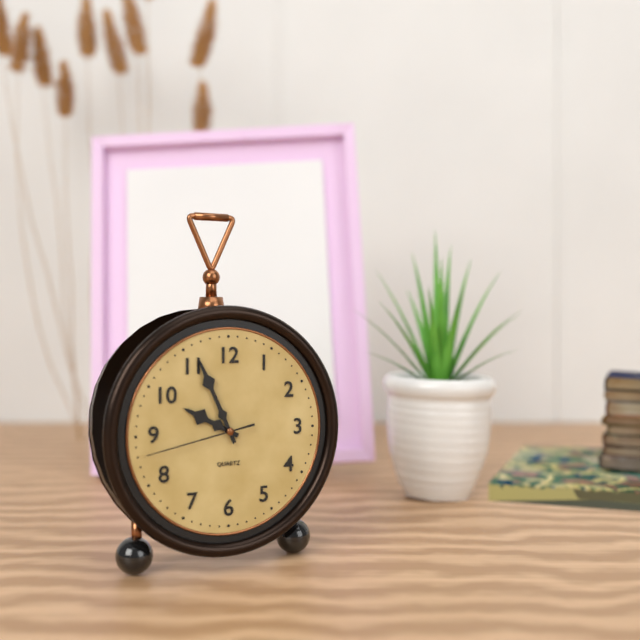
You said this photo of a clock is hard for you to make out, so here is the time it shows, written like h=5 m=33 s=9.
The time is h=9 m=56 s=43
